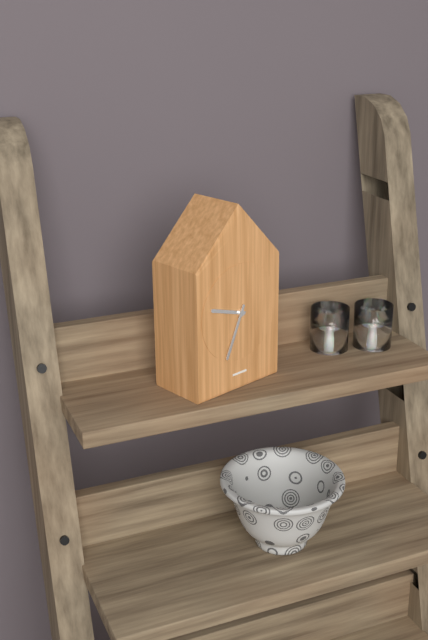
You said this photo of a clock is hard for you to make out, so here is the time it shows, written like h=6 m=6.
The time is h=9 m=34
